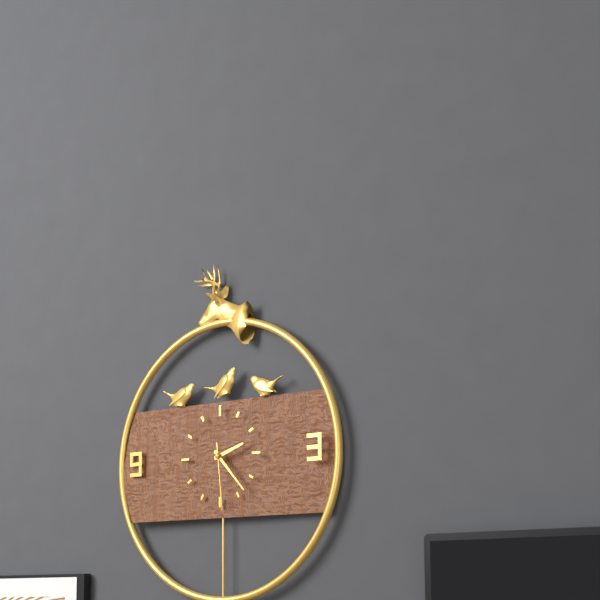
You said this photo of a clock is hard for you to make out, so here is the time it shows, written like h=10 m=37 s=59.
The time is h=2 m=23 s=29
